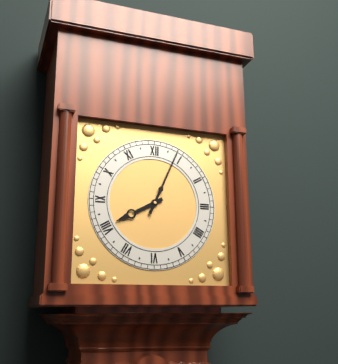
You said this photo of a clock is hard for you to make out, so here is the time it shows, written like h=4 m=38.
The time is h=8 m=4
